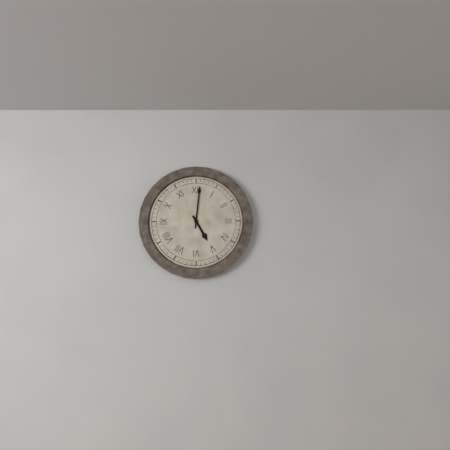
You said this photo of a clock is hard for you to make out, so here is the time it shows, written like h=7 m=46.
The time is h=5 m=1
